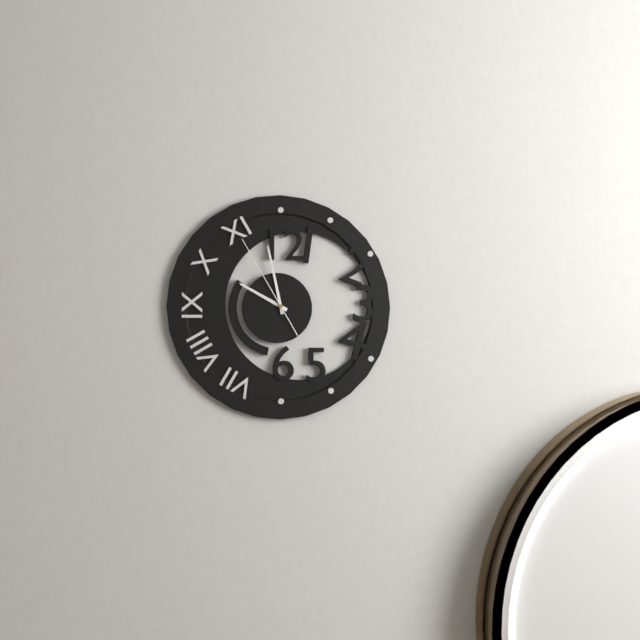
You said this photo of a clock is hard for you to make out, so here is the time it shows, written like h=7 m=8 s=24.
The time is h=9 m=58 s=55
